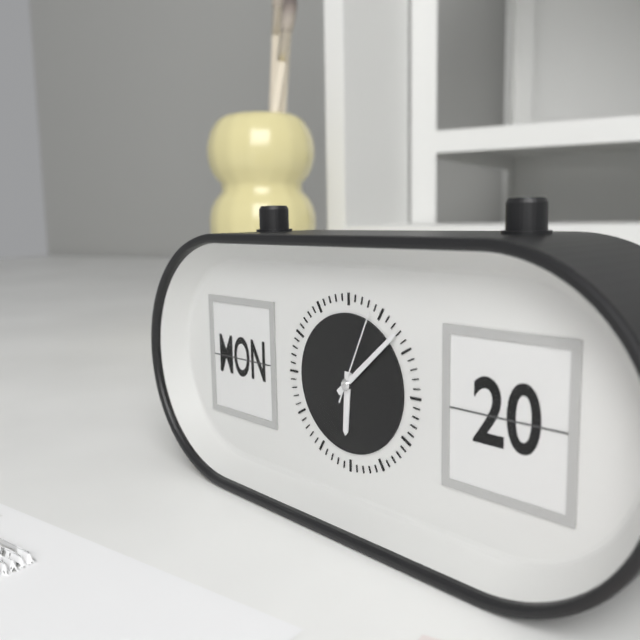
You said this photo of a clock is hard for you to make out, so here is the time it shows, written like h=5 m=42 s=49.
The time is h=6 m=8 s=4
